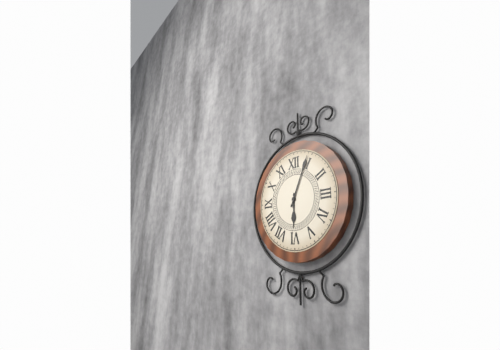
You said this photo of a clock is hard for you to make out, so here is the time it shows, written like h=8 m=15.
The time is h=6 m=4
